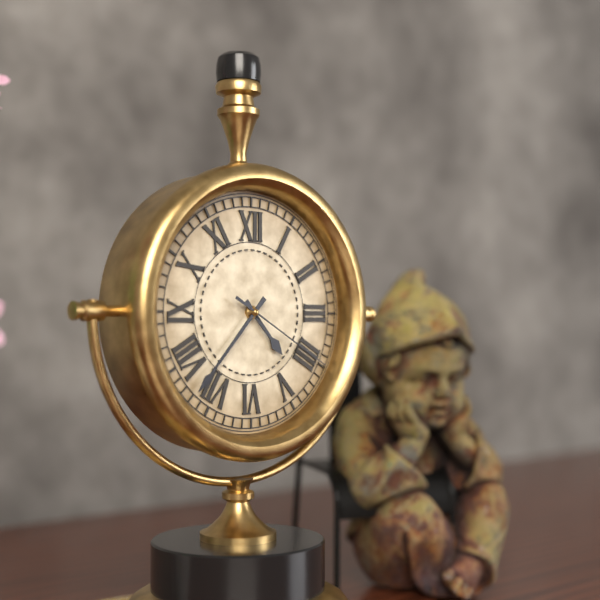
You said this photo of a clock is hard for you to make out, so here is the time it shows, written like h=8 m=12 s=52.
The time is h=4 m=37 s=20
